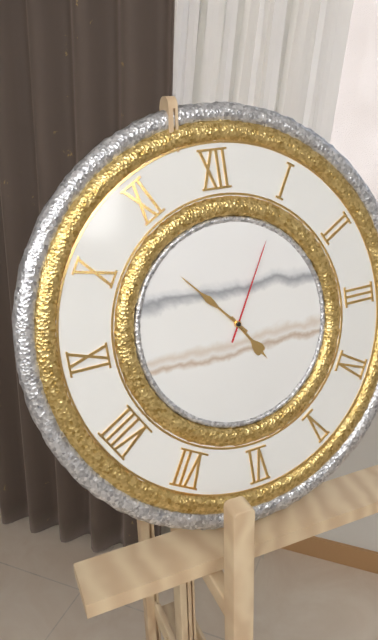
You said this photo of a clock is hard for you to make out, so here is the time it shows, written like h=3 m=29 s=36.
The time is h=4 m=53 s=5
